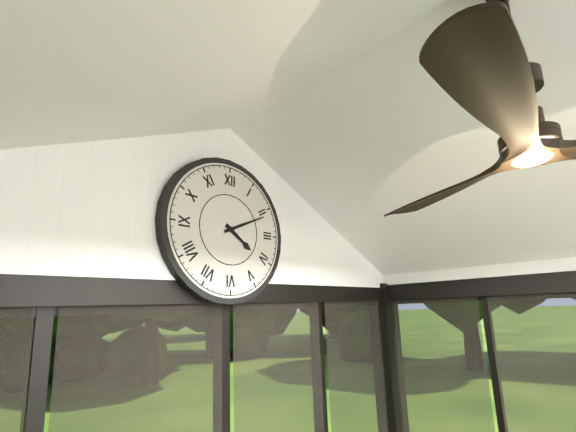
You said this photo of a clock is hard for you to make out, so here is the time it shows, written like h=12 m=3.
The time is h=4 m=11
